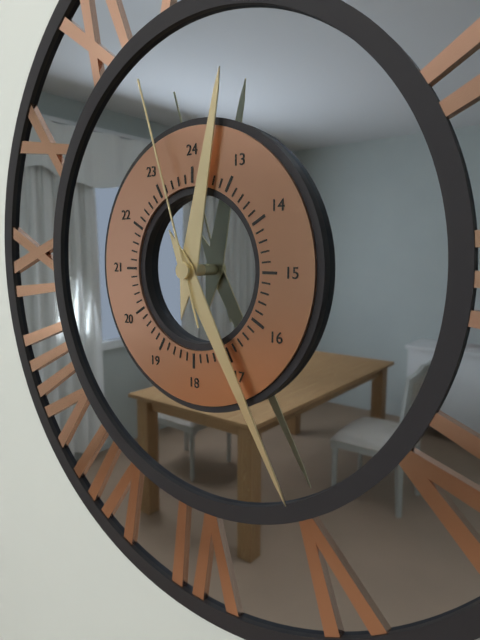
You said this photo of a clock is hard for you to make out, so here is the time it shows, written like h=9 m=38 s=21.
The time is h=12 m=25 s=57
